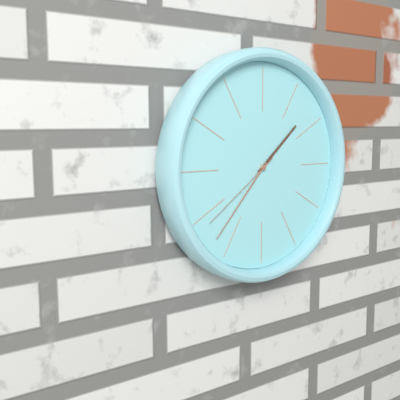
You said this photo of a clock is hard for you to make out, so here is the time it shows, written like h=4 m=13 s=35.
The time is h=1 m=37 s=39
